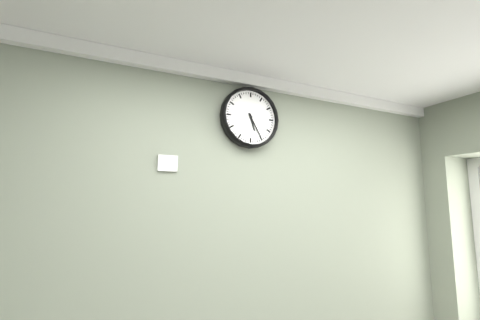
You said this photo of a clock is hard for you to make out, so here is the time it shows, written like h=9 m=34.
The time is h=5 m=25
